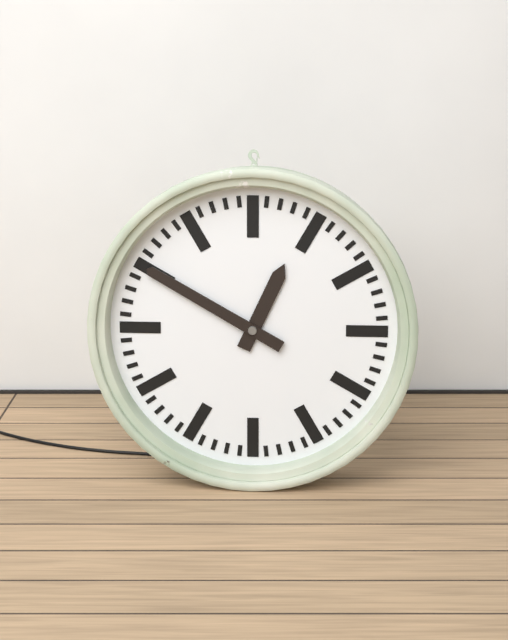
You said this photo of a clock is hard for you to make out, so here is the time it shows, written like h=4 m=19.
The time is h=12 m=50
